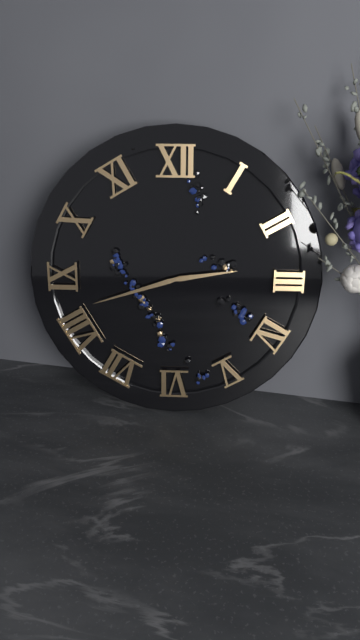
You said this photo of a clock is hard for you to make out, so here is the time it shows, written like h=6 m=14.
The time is h=2 m=42
